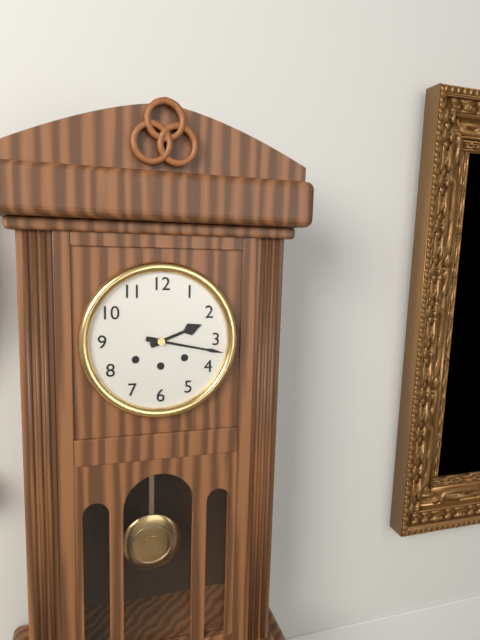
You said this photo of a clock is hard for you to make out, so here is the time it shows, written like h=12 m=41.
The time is h=2 m=17
